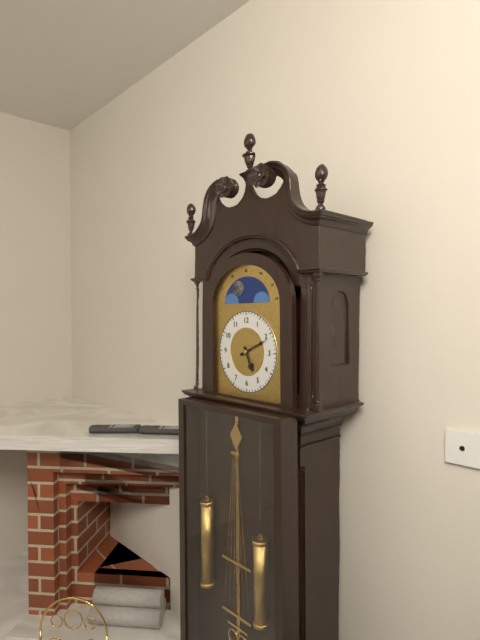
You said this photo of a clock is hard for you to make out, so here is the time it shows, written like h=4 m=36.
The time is h=5 m=11
